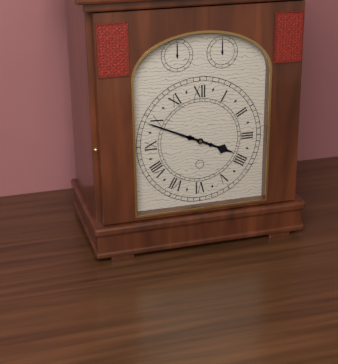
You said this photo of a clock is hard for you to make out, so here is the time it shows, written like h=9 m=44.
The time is h=3 m=49
